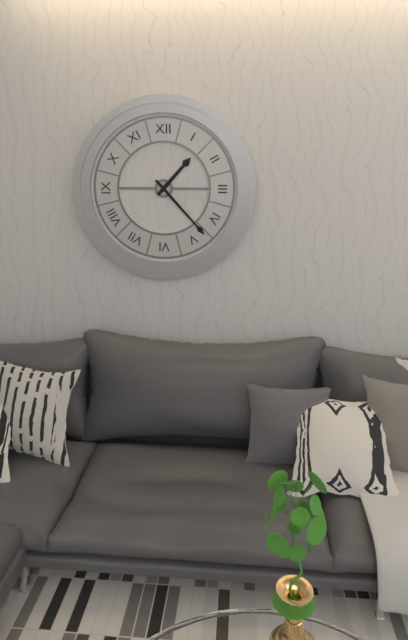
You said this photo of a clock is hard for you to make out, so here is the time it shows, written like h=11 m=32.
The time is h=1 m=23
